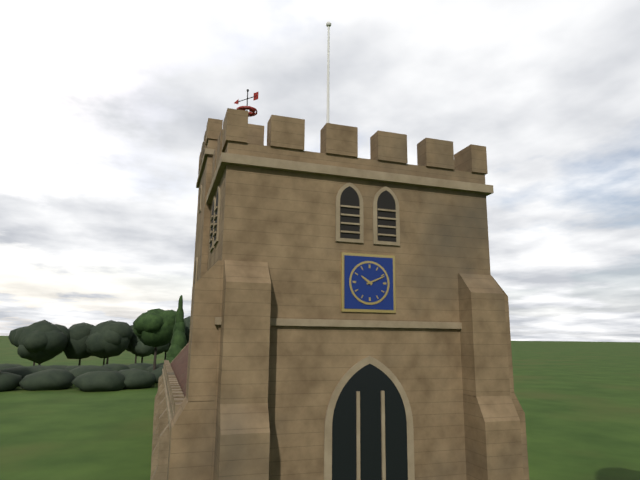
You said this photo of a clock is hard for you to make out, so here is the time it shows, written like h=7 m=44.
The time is h=10 m=11
